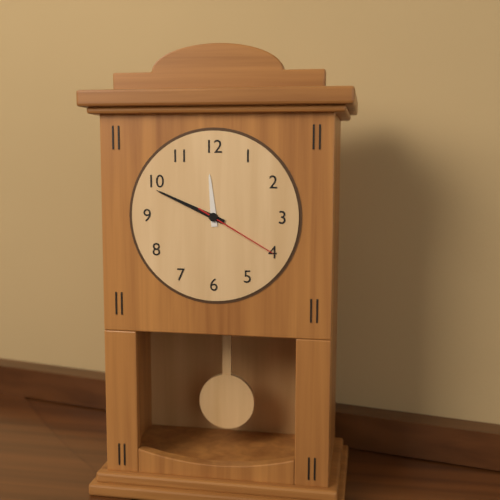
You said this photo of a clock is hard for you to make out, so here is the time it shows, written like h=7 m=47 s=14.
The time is h=11 m=49 s=20
